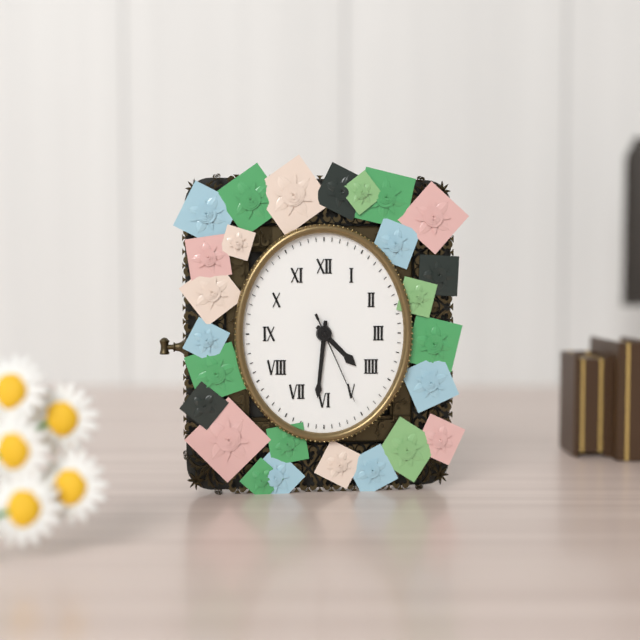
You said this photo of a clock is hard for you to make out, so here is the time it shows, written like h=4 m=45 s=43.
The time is h=4 m=31 s=26
